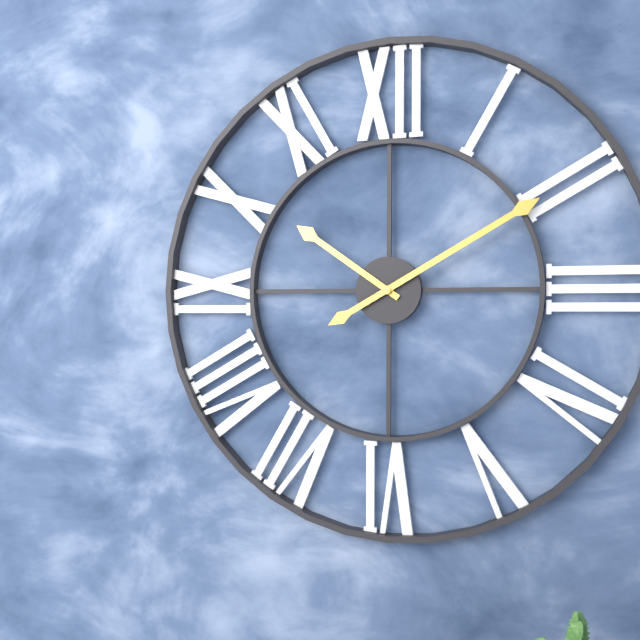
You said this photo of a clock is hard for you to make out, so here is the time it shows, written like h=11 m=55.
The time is h=10 m=10
